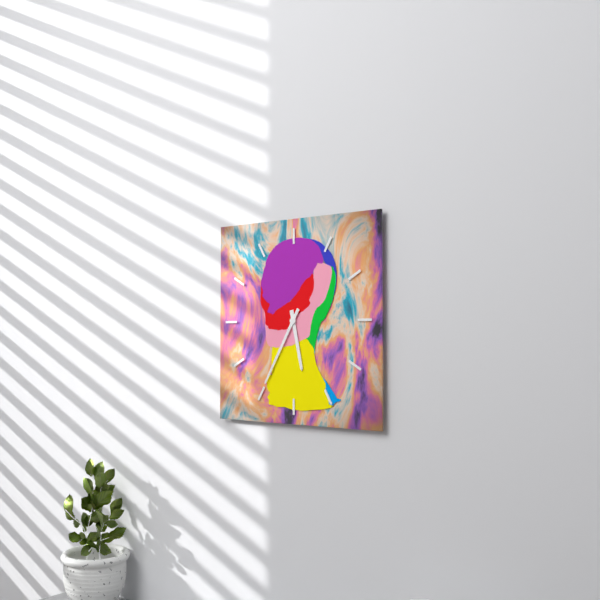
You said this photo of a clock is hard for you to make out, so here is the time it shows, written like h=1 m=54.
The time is h=5 m=35
